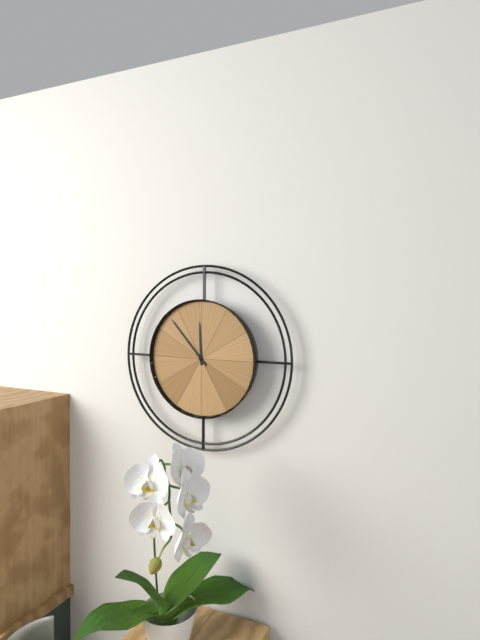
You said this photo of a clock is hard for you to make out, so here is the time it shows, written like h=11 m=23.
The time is h=11 m=53
